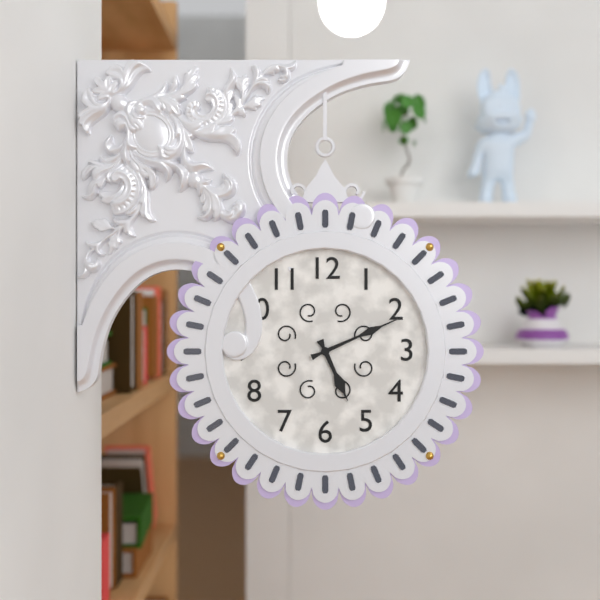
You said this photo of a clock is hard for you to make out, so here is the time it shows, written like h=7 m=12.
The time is h=5 m=11
